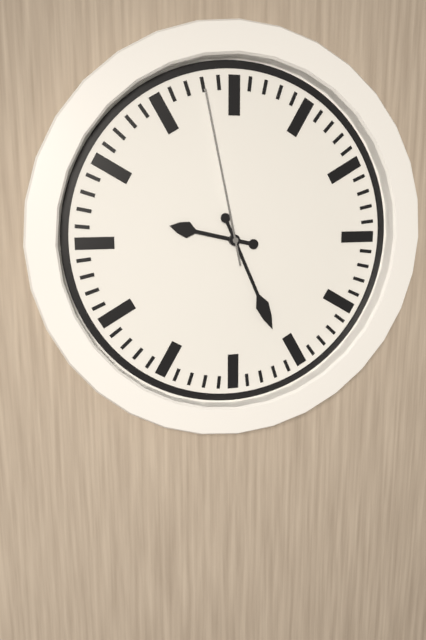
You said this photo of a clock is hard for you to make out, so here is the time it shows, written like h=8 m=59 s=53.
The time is h=9 m=26 s=58
